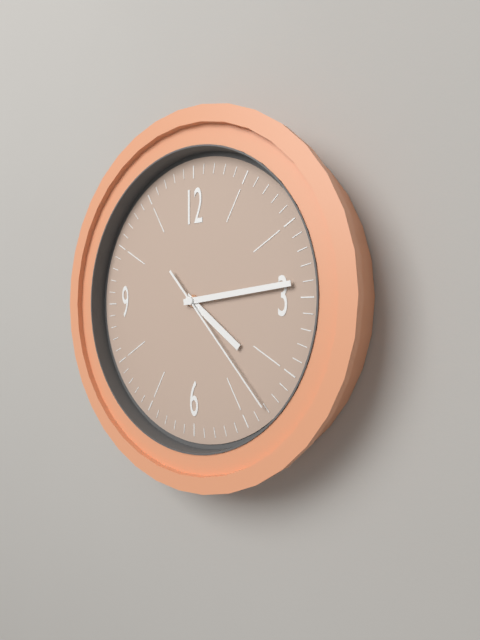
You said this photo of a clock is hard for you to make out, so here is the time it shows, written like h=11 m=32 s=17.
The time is h=4 m=14 s=23
